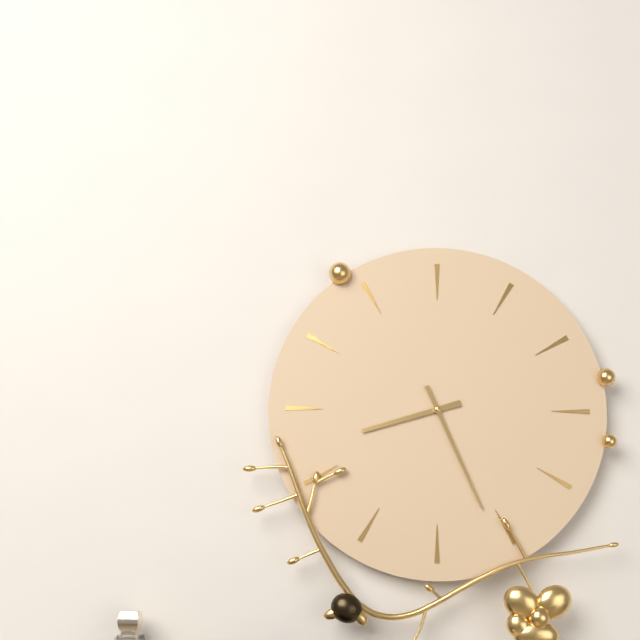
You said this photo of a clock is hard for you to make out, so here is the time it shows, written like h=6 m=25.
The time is h=8 m=26
